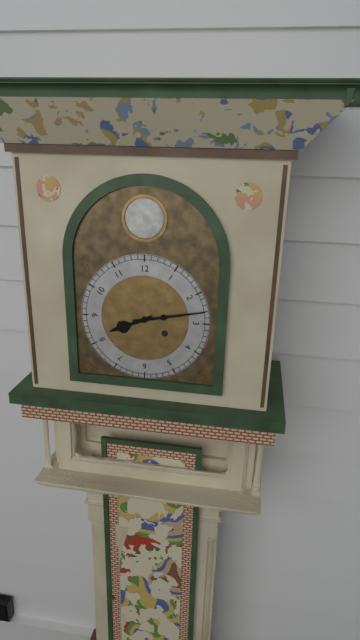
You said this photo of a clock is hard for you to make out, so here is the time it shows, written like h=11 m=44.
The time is h=8 m=13
